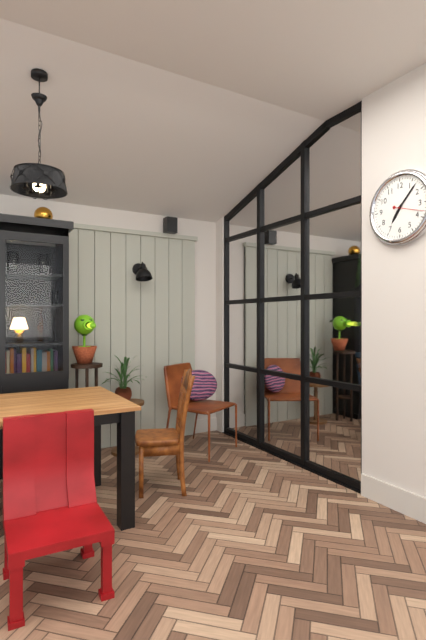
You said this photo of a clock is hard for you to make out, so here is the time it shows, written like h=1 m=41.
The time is h=7 m=7
